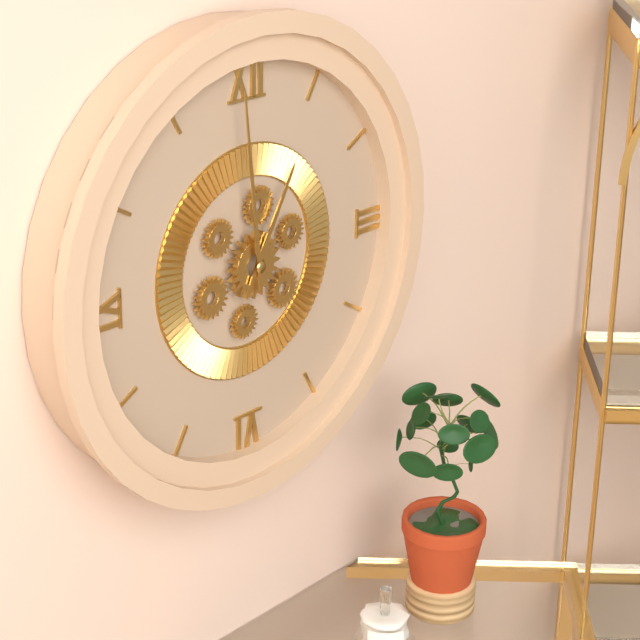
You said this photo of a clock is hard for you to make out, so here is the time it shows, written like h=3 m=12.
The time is h=12 m=59
